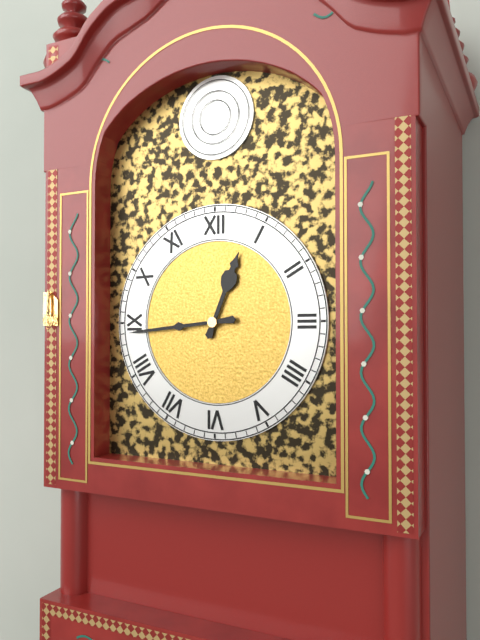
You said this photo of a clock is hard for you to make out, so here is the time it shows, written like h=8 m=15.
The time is h=12 m=44
